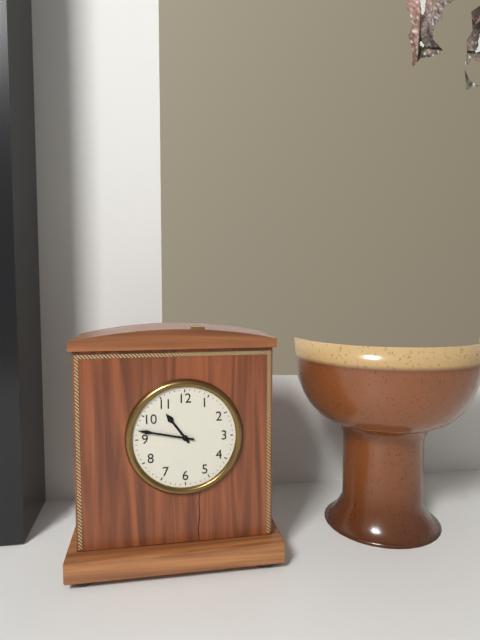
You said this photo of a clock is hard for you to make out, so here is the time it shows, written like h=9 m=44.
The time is h=10 m=47
